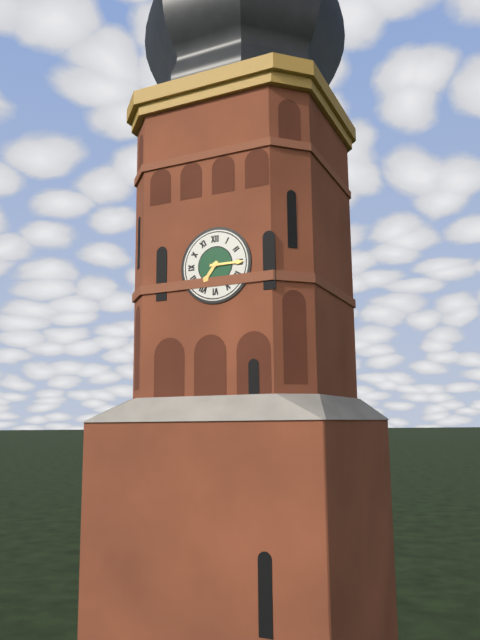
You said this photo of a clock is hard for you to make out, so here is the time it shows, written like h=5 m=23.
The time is h=7 m=15
